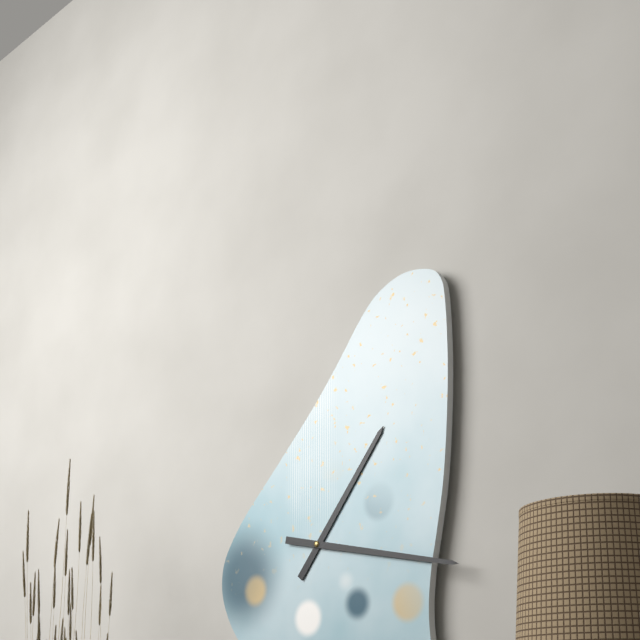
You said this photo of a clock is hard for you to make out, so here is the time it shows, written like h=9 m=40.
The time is h=1 m=17
